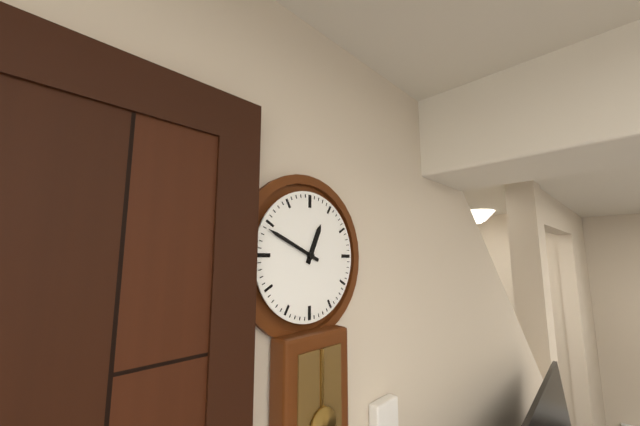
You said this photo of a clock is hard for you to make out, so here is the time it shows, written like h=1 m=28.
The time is h=12 m=49
